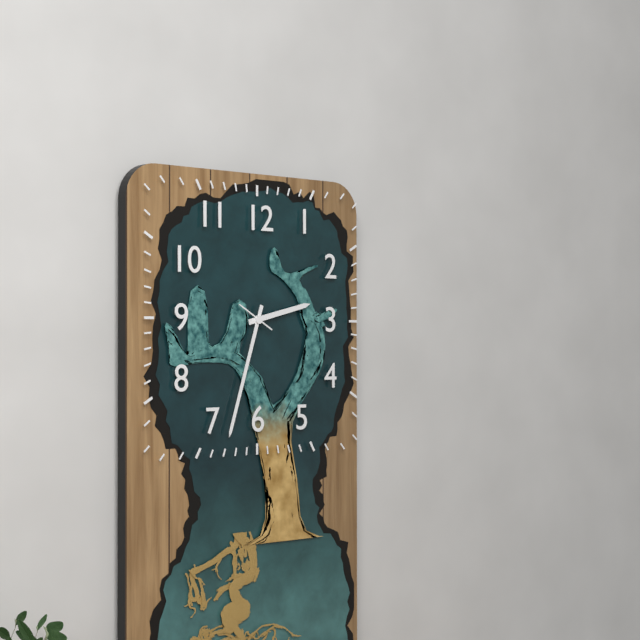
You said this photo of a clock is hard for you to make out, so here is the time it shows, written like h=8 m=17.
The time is h=2 m=33
